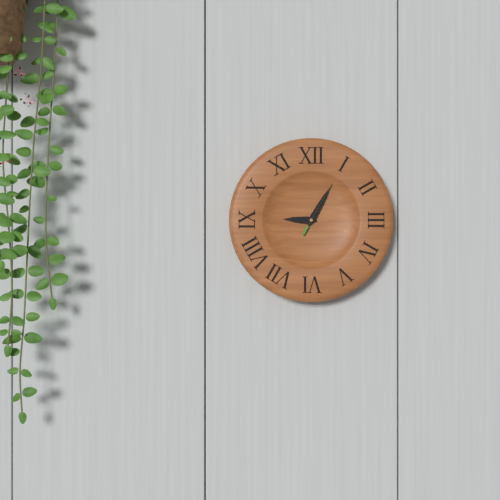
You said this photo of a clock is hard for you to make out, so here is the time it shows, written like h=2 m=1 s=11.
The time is h=9 m=5 s=5
